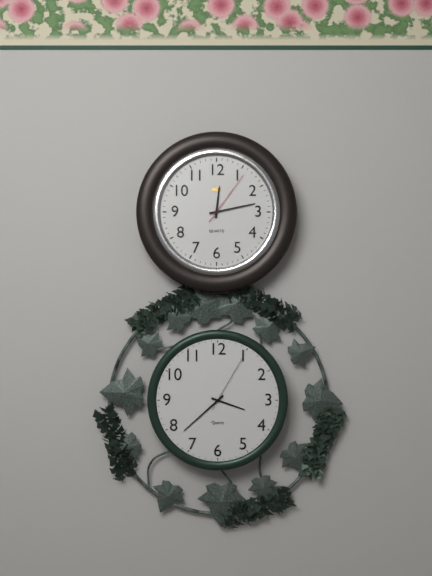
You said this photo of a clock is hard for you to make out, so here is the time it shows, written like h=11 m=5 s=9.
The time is h=12 m=13 s=6
